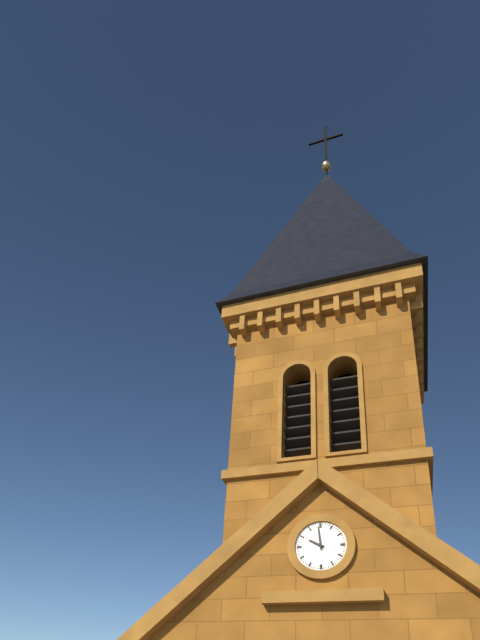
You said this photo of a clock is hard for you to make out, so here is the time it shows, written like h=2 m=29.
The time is h=9 m=59
